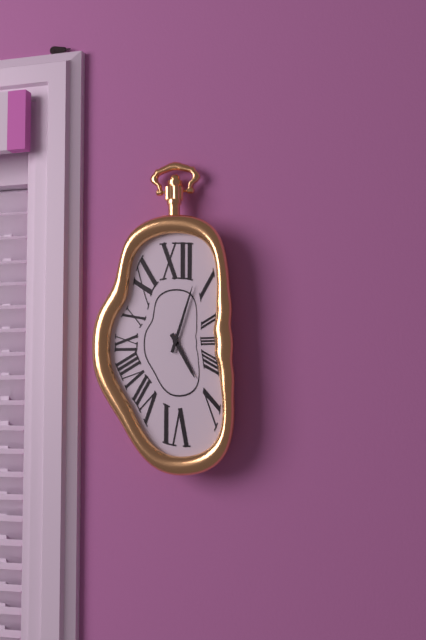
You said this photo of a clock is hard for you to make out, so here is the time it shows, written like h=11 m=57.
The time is h=5 m=3
